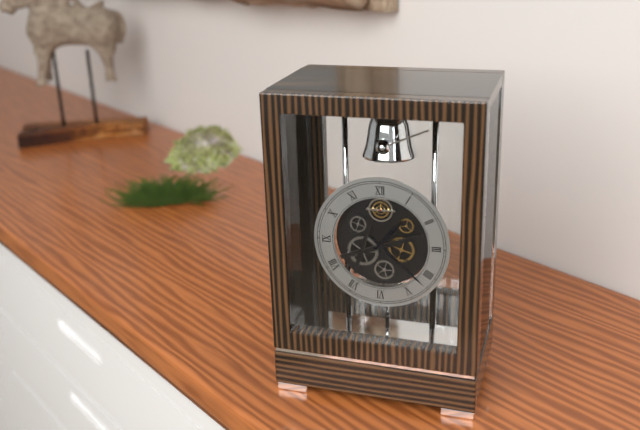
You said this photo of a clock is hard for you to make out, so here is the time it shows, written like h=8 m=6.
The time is h=1 m=22
